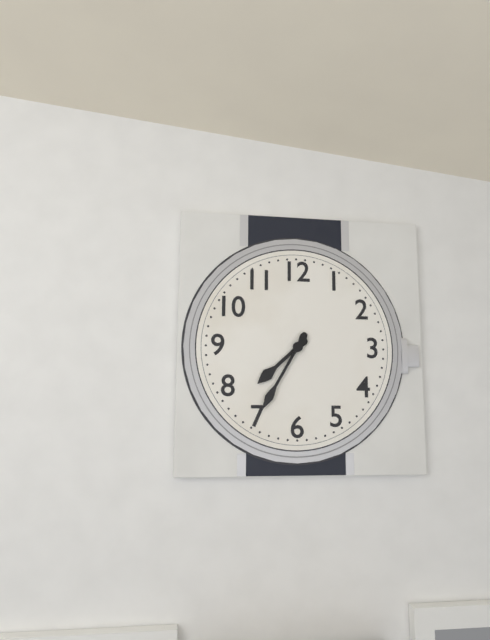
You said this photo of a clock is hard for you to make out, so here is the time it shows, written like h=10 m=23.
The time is h=7 m=35
